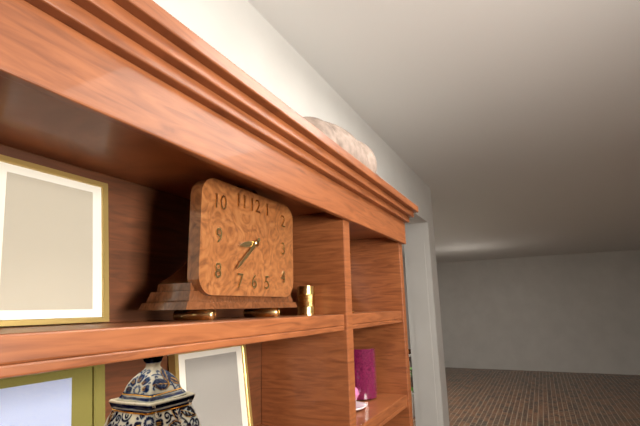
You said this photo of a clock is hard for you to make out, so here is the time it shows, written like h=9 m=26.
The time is h=8 m=38
